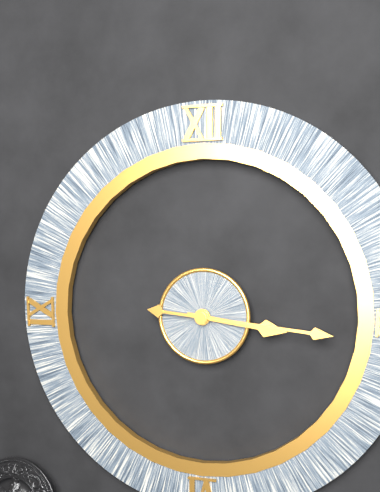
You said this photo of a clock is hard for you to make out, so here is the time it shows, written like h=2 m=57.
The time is h=3 m=16
